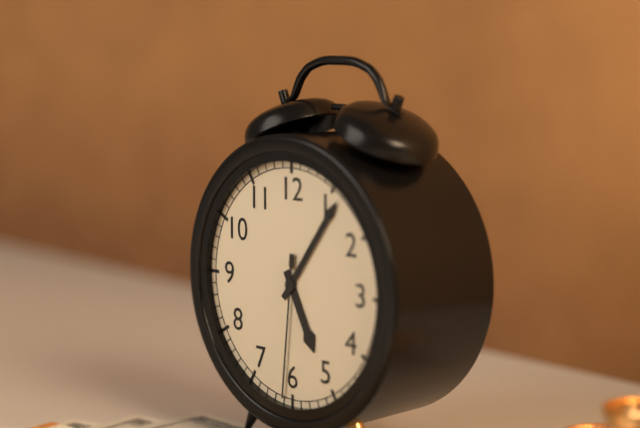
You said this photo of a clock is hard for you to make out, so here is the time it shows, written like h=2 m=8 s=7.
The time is h=5 m=6 s=31
